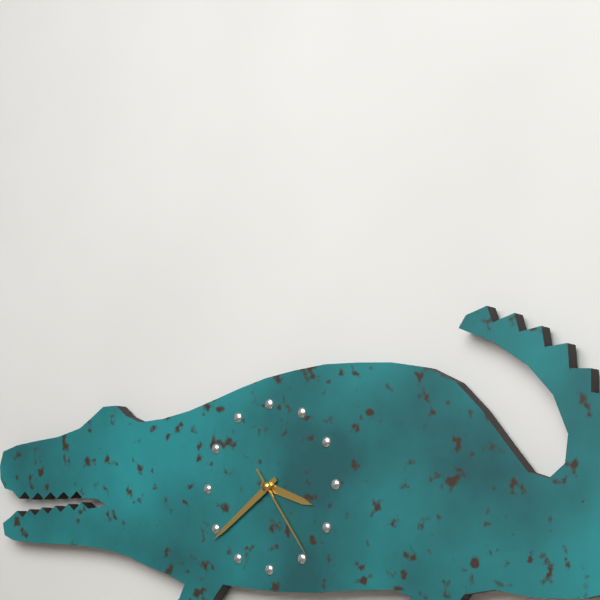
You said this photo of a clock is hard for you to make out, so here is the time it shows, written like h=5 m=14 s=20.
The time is h=3 m=39 s=24
